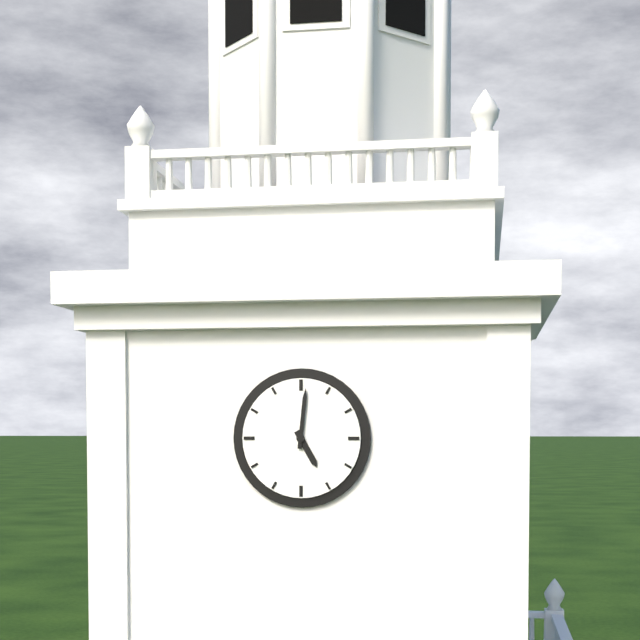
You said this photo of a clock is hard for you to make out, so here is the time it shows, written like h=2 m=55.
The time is h=5 m=1
